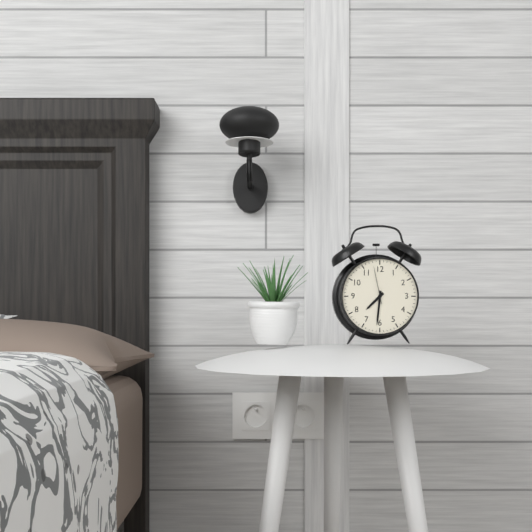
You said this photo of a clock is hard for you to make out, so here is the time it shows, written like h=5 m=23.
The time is h=7 m=31
